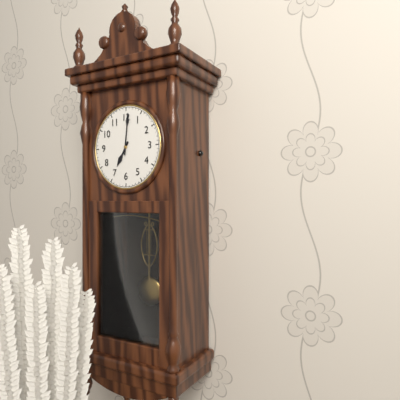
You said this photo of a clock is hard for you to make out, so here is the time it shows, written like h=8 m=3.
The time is h=7 m=1
